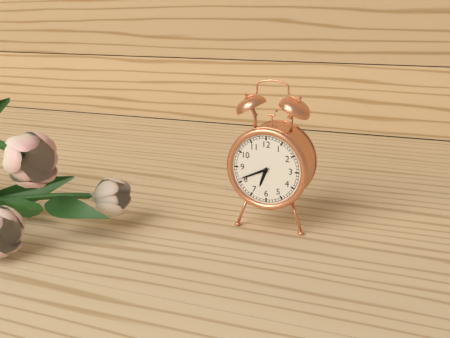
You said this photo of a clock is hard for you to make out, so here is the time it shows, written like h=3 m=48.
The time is h=6 m=41
